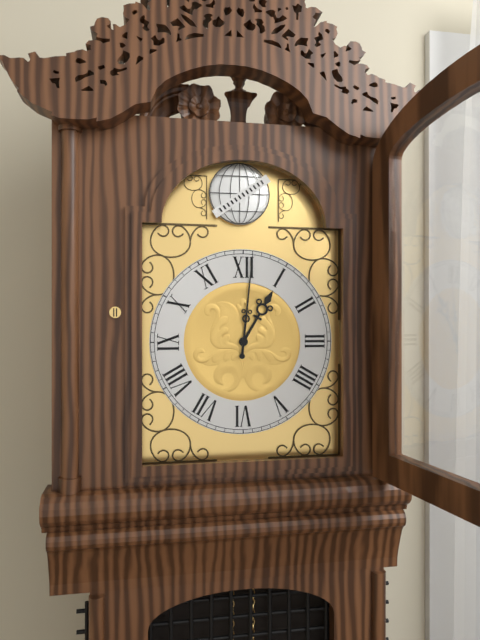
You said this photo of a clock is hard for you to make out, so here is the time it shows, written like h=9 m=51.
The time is h=1 m=1
